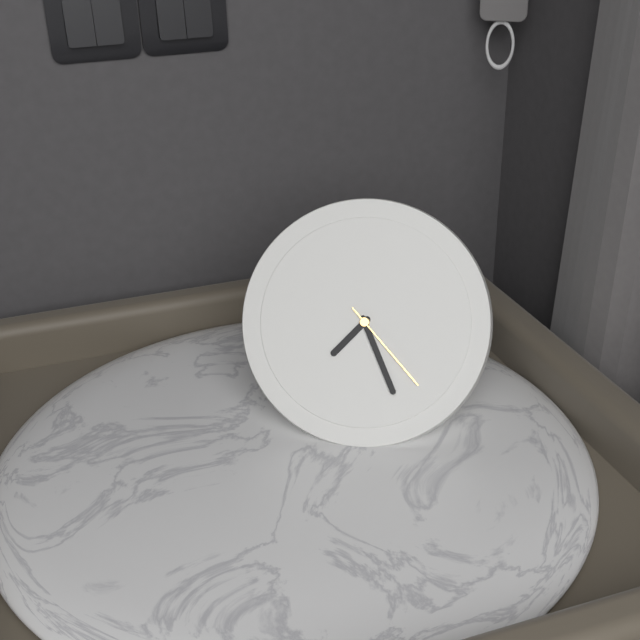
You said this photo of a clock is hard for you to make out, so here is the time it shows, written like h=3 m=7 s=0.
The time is h=7 m=26 s=23
